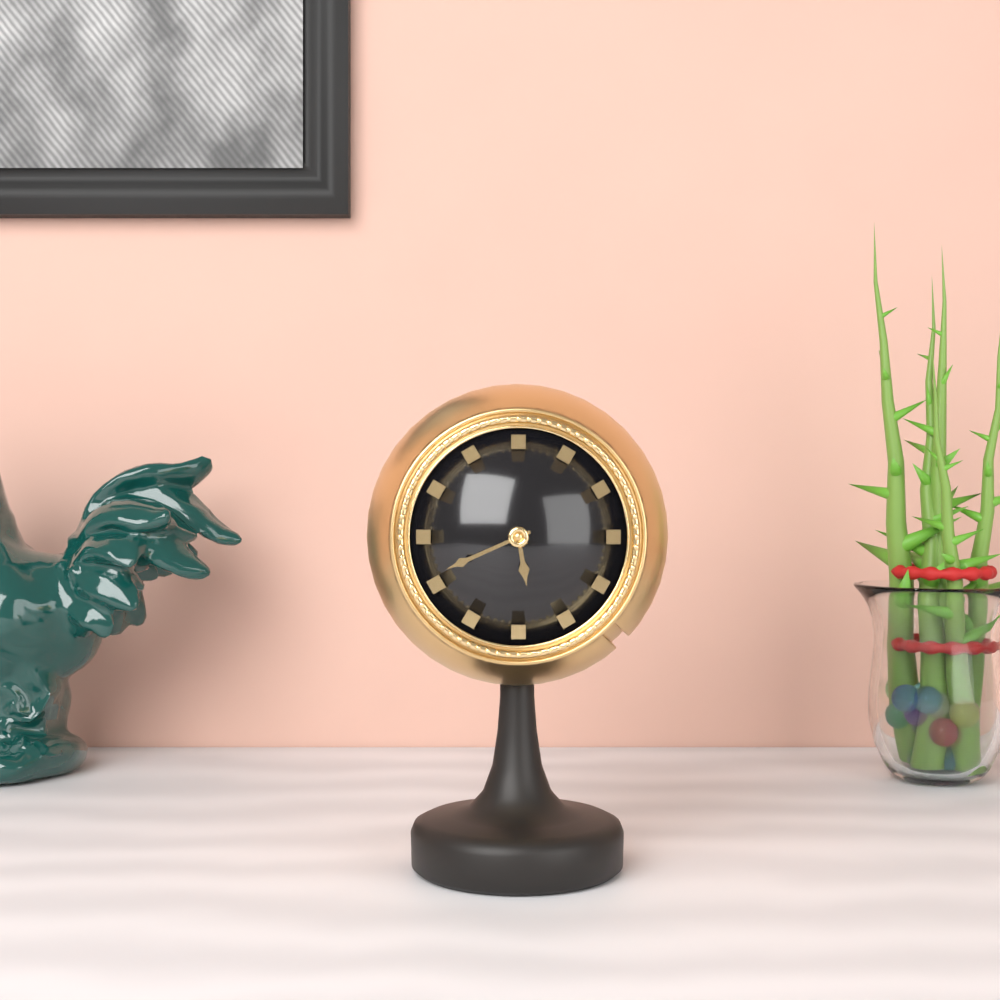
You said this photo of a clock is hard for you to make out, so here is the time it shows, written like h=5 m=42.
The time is h=5 m=41
